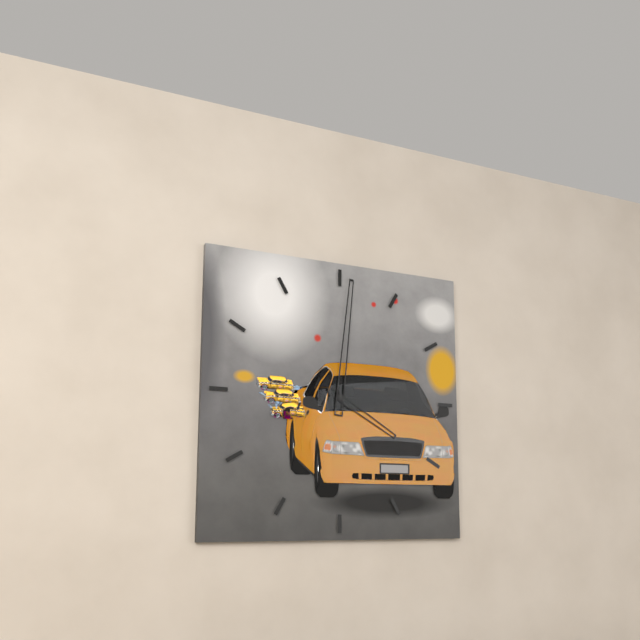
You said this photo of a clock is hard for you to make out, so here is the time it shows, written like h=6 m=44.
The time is h=4 m=1
